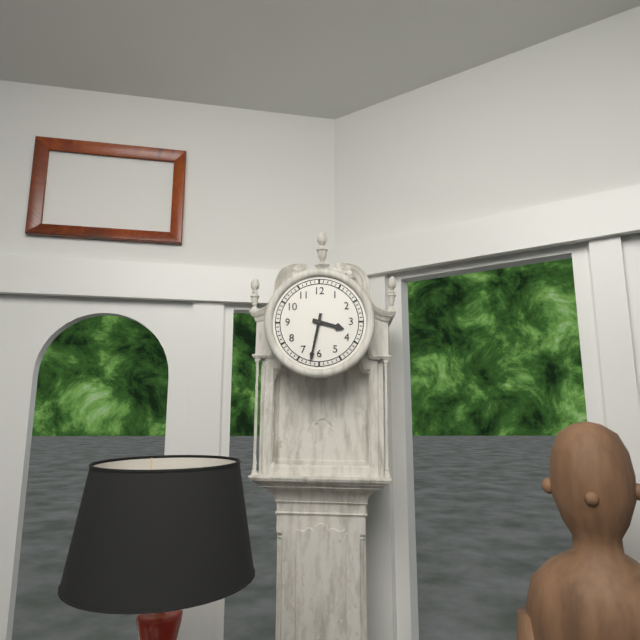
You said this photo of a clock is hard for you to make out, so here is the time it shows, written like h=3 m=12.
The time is h=3 m=32
